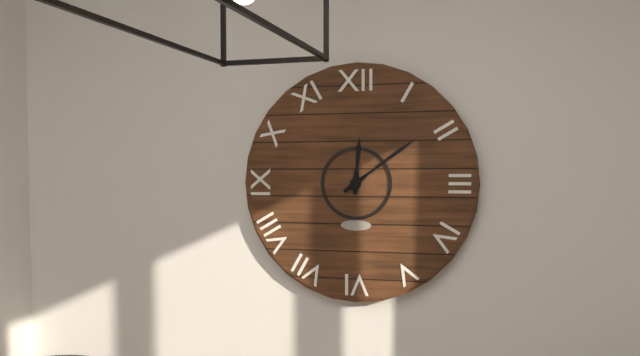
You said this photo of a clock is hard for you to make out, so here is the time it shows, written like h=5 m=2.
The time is h=12 m=9
